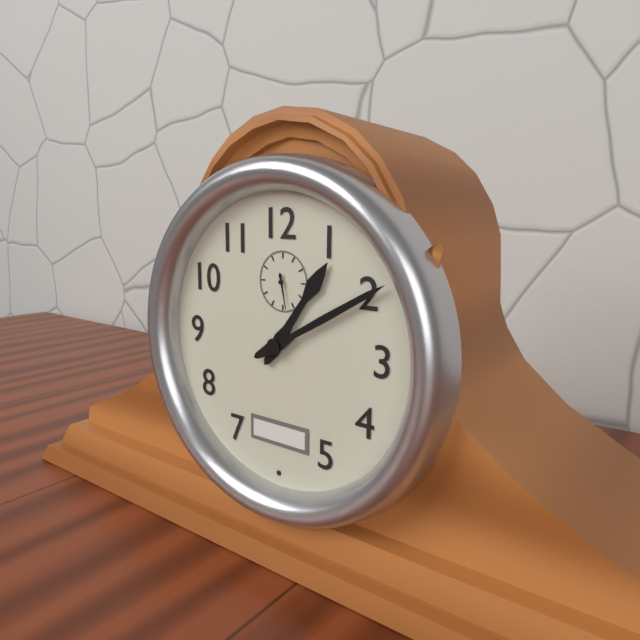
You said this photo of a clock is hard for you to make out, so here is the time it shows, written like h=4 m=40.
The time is h=1 m=10
